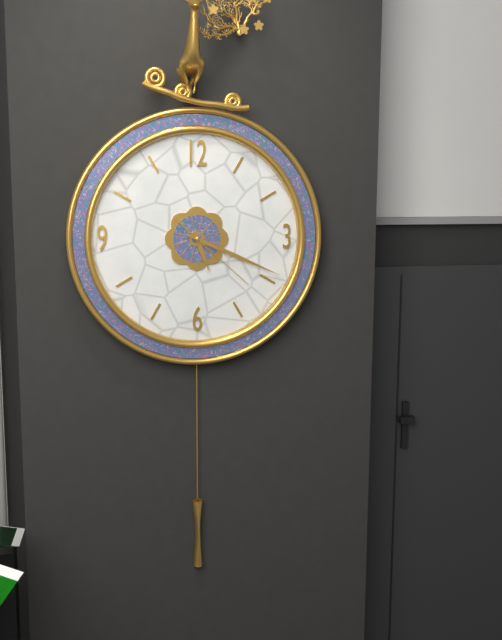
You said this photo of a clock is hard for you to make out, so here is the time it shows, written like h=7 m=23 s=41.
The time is h=5 m=19 s=22
